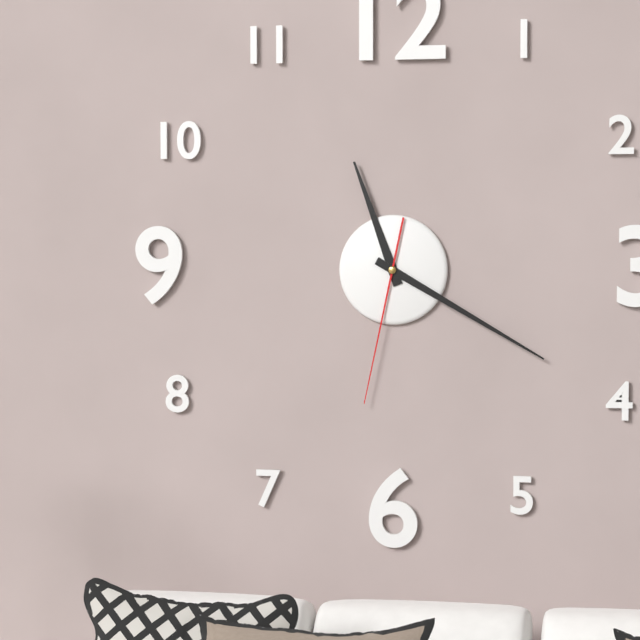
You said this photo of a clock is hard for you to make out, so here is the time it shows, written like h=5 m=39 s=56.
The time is h=11 m=20 s=32
